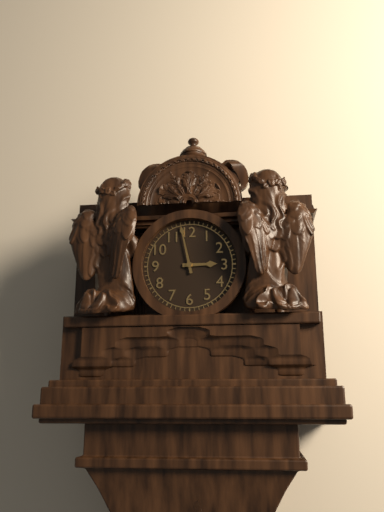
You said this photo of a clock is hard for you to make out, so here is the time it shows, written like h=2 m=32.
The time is h=2 m=58
